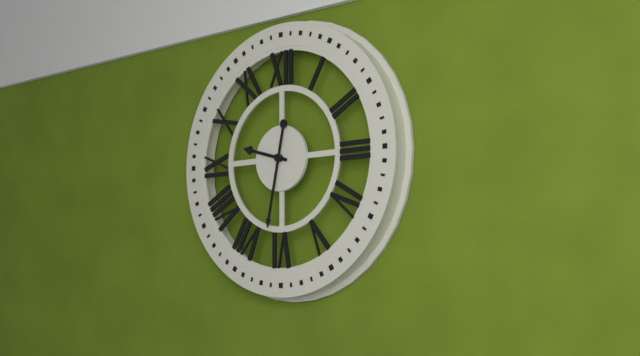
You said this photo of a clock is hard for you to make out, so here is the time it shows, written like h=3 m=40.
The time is h=9 m=32
